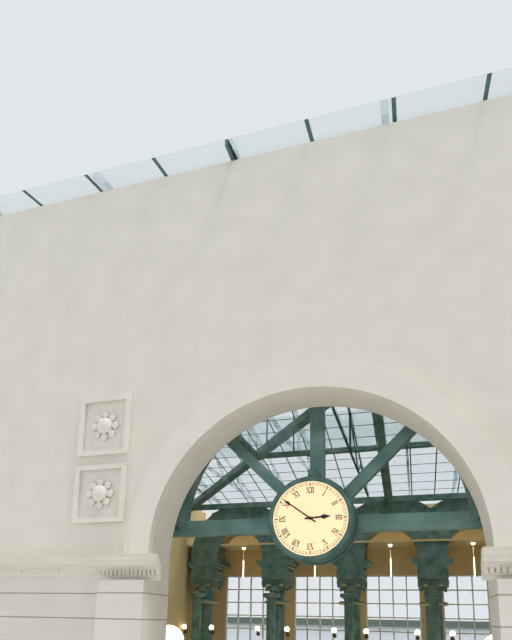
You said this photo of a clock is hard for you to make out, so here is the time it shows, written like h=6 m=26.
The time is h=2 m=51
